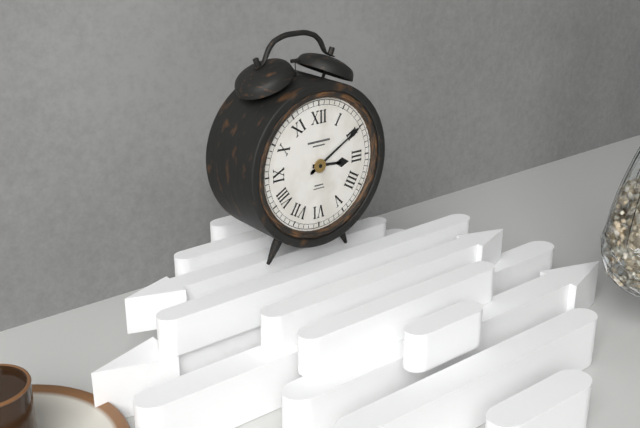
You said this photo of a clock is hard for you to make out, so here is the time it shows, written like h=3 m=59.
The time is h=3 m=10
